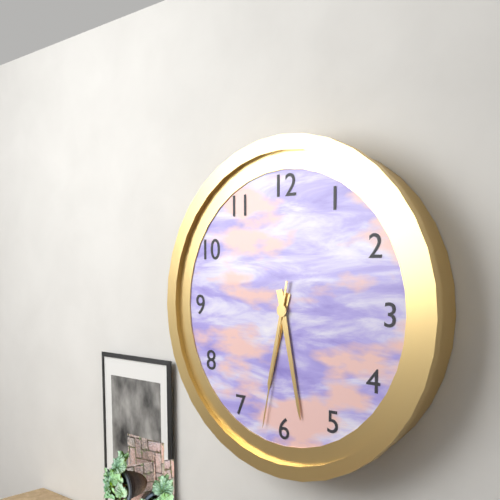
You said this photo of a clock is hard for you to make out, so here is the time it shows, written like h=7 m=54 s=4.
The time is h=6 m=28 s=32
